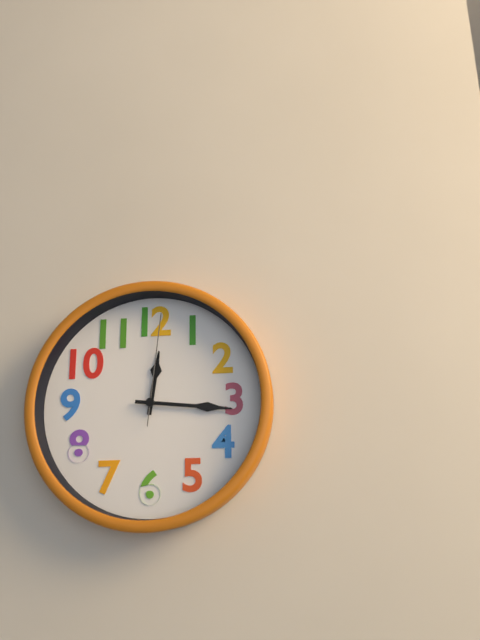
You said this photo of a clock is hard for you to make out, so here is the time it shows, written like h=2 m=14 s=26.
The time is h=12 m=16 s=1
